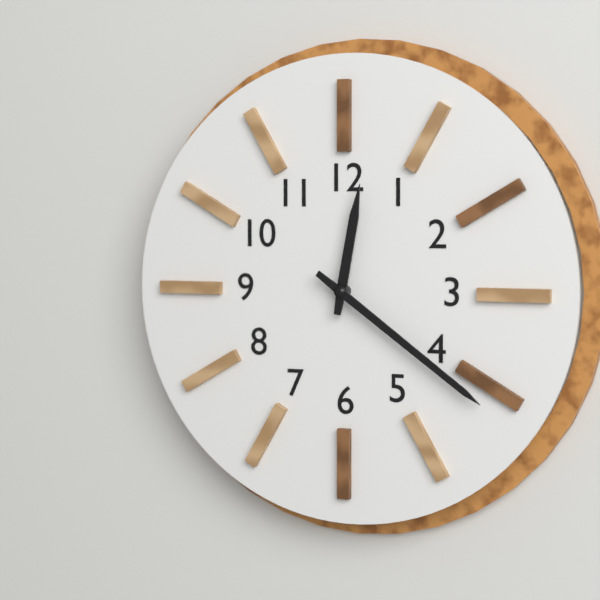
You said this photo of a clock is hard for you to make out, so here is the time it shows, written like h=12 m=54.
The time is h=12 m=21
